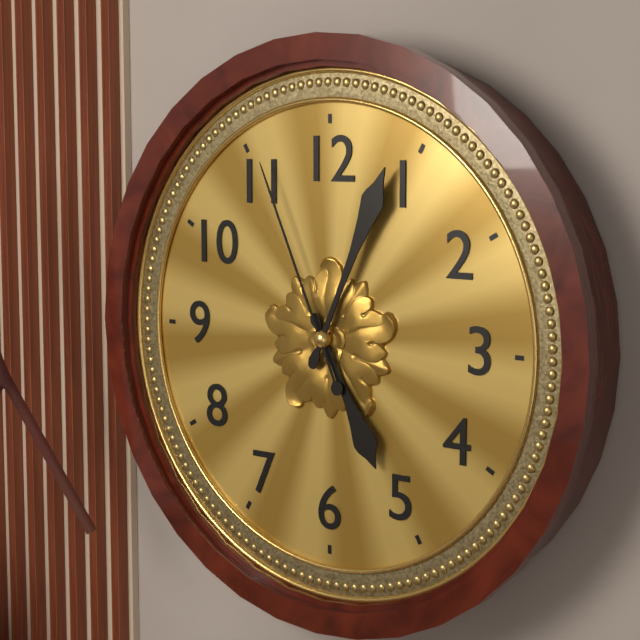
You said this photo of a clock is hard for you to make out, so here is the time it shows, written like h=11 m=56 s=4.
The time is h=5 m=4 s=56
